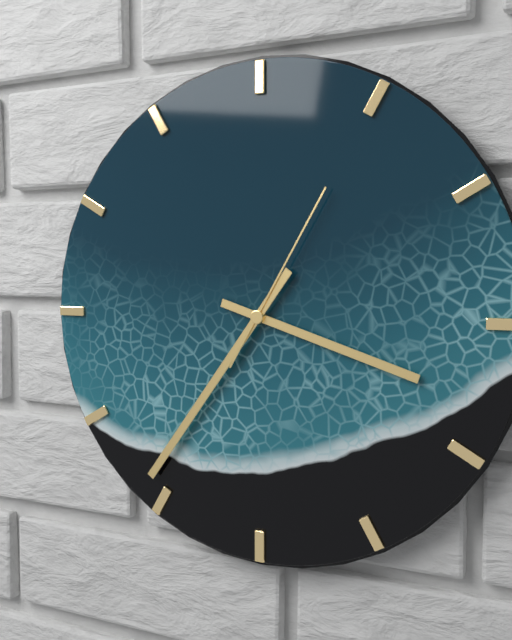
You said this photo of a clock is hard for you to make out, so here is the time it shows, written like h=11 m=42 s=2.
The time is h=3 m=36 s=5
